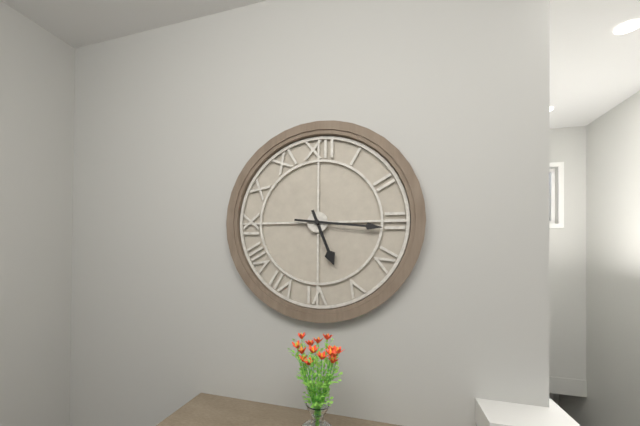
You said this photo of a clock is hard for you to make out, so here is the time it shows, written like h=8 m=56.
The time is h=5 m=16
